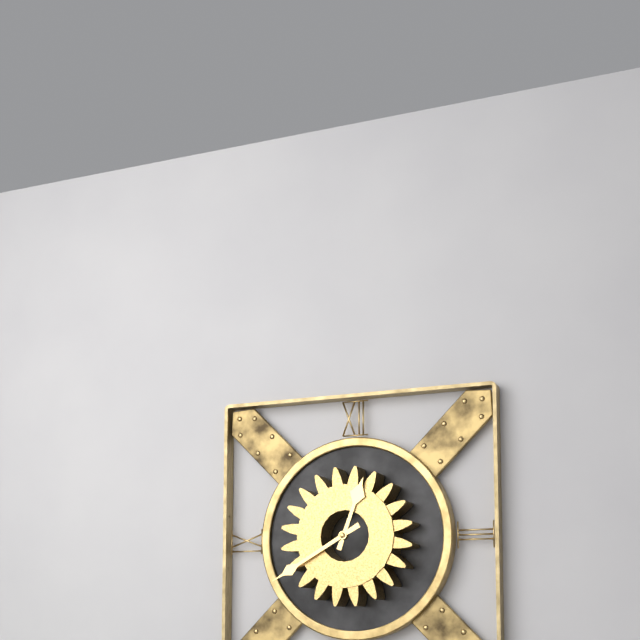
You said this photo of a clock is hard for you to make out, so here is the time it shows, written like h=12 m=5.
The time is h=12 m=40
